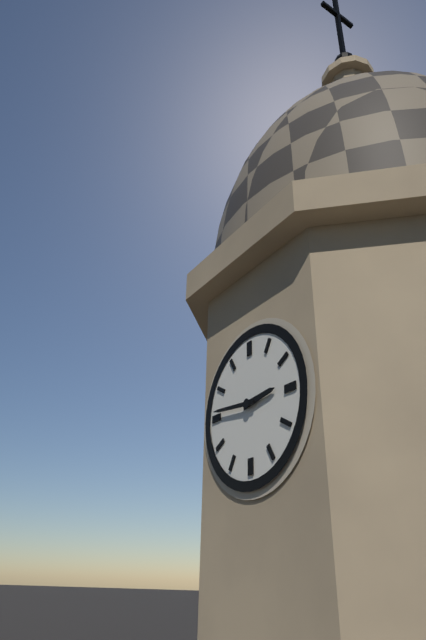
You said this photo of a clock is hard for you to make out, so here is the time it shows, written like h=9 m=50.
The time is h=2 m=46
